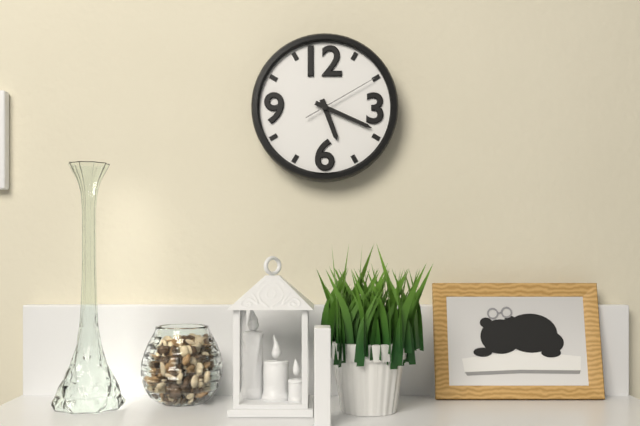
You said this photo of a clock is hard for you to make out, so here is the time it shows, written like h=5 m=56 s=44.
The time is h=5 m=19 s=10
